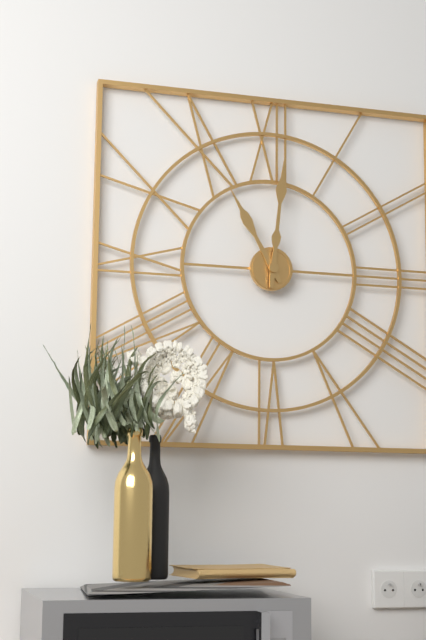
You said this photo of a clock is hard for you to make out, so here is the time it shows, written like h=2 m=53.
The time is h=11 m=1
